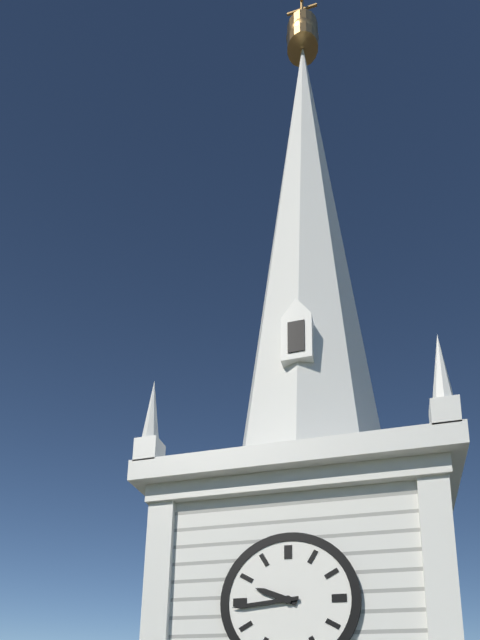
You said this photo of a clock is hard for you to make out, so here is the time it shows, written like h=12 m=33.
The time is h=9 m=44
